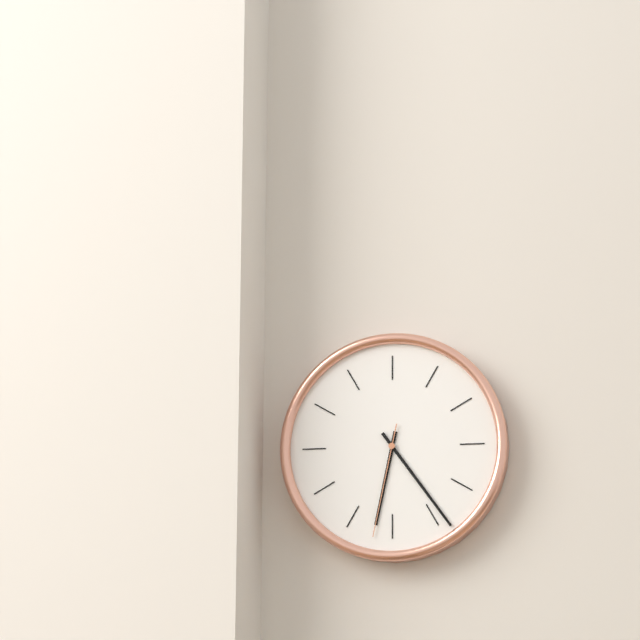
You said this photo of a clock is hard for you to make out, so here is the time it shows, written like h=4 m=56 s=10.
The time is h=6 m=24 s=32
